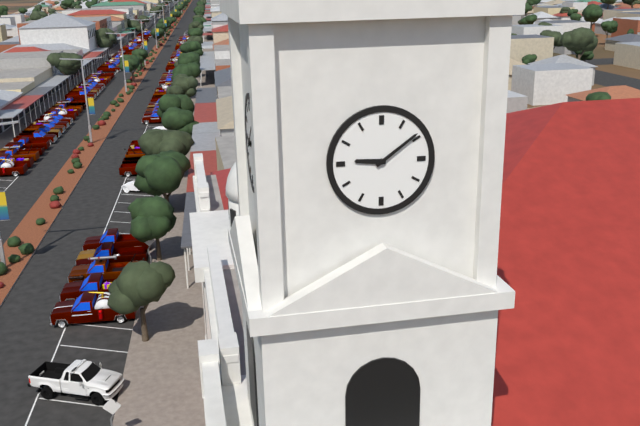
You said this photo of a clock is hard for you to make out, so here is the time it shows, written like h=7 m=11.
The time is h=9 m=9
